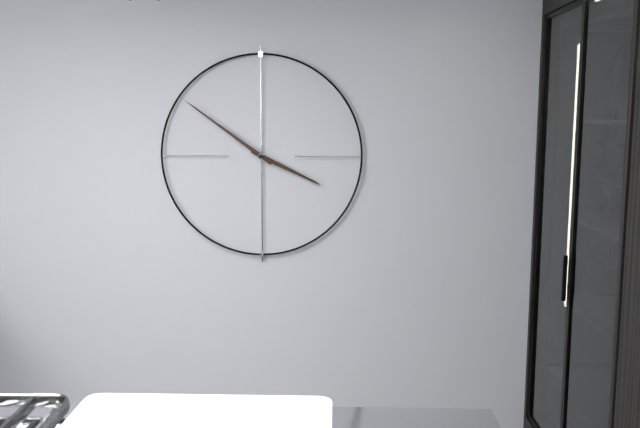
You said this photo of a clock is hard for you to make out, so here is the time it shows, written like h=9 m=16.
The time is h=3 m=51
